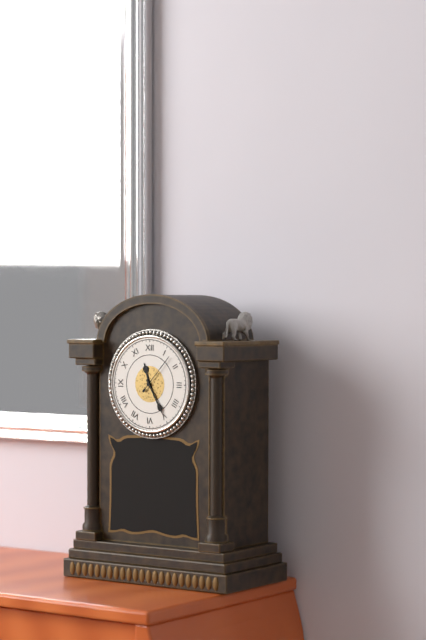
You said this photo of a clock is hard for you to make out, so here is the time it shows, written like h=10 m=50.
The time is h=11 m=25
